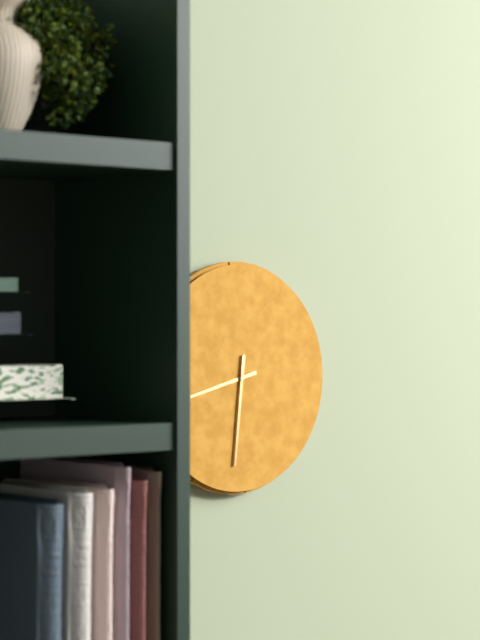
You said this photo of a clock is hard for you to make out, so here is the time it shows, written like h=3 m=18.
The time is h=8 m=31
